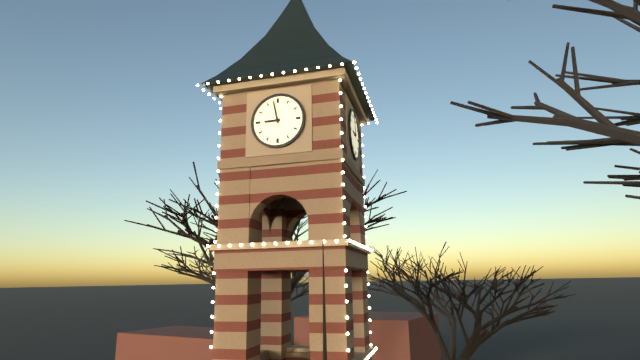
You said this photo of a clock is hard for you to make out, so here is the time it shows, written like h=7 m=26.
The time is h=8 m=58
